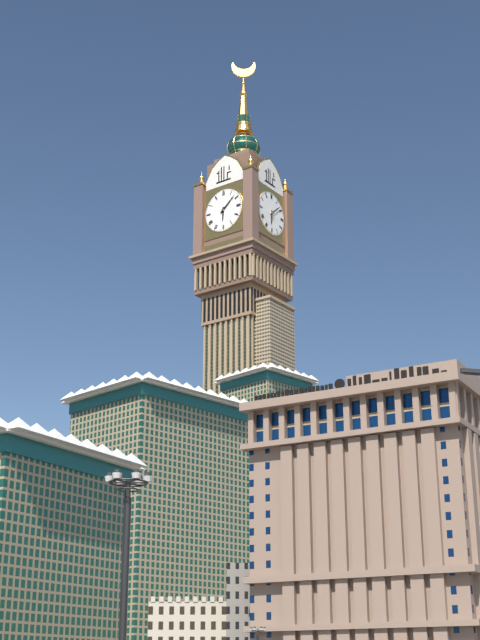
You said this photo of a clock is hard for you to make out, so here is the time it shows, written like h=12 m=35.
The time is h=6 m=8
